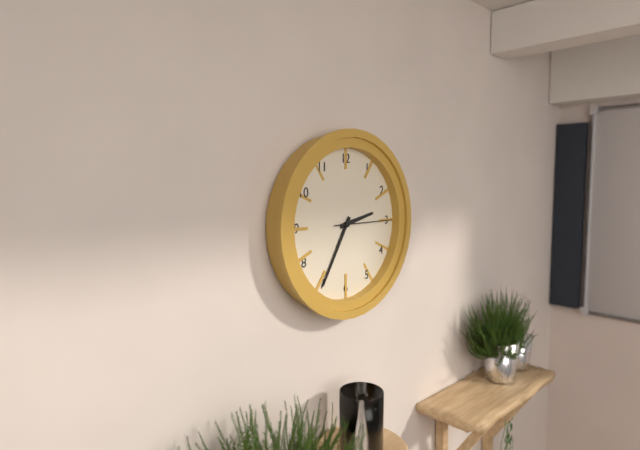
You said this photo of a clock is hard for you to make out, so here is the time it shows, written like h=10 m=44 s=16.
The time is h=2 m=35 s=15
